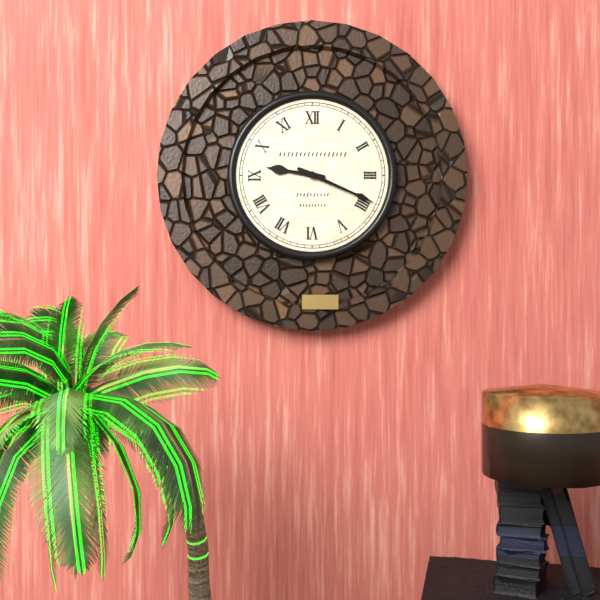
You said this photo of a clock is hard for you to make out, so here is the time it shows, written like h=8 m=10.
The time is h=9 m=19
